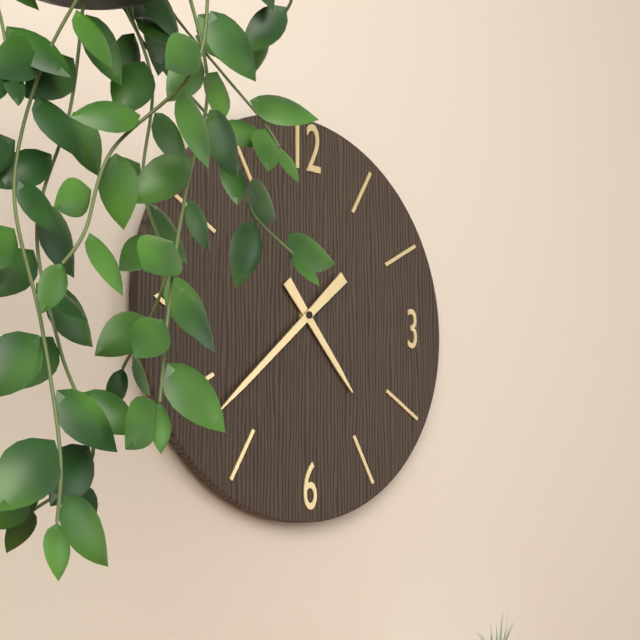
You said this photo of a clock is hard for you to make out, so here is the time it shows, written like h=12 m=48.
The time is h=4 m=38
